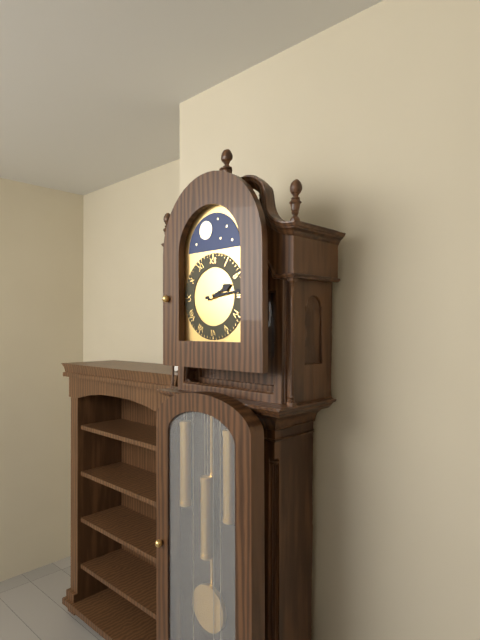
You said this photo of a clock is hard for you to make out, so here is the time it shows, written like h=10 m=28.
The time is h=2 m=14
